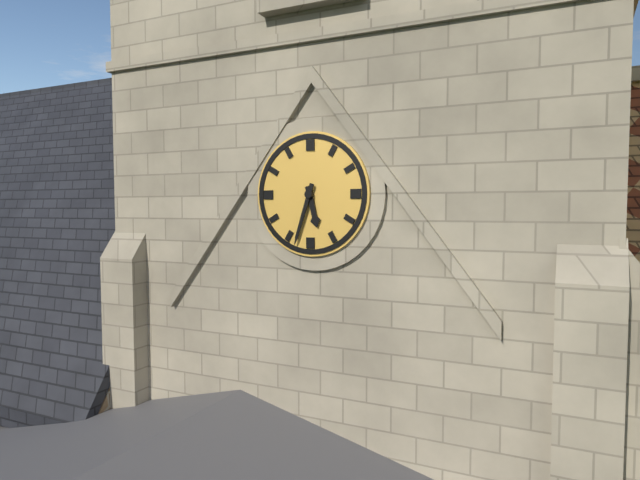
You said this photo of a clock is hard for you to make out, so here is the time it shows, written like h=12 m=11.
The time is h=5 m=33
